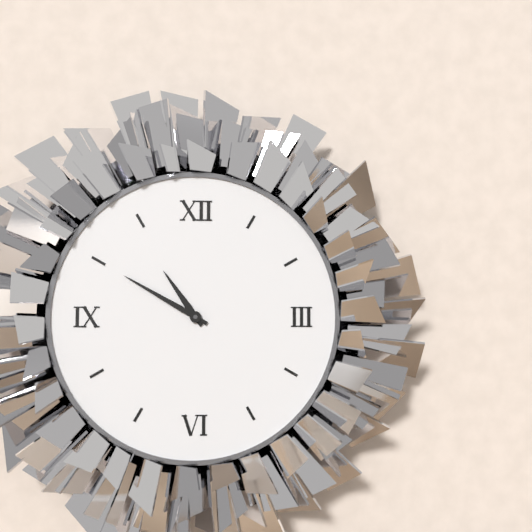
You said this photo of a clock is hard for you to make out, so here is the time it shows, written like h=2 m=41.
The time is h=10 m=50
